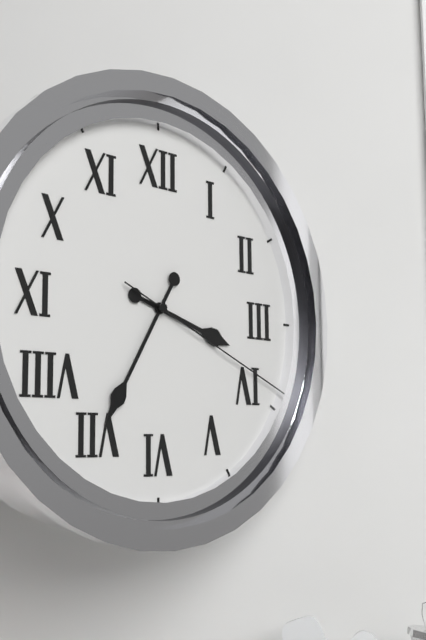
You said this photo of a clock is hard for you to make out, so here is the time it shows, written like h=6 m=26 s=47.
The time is h=3 m=35 s=19
